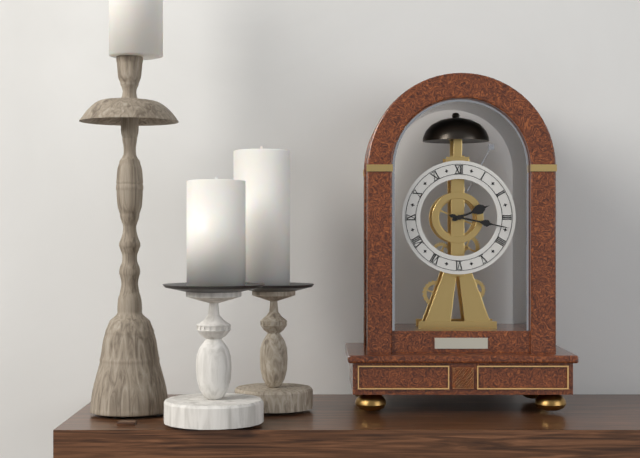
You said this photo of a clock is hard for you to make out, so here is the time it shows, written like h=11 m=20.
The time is h=2 m=17
